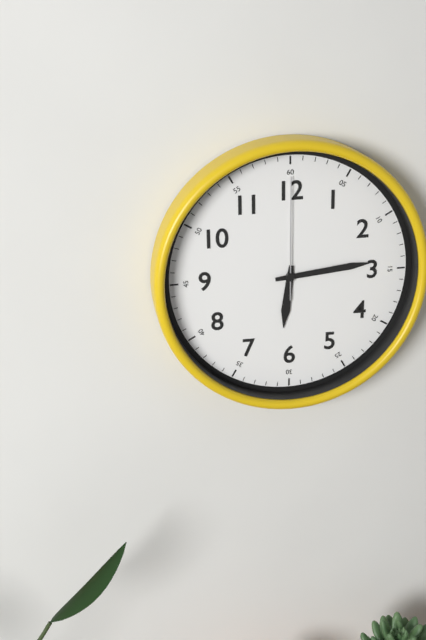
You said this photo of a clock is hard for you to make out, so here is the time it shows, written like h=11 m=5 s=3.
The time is h=6 m=14 s=0
